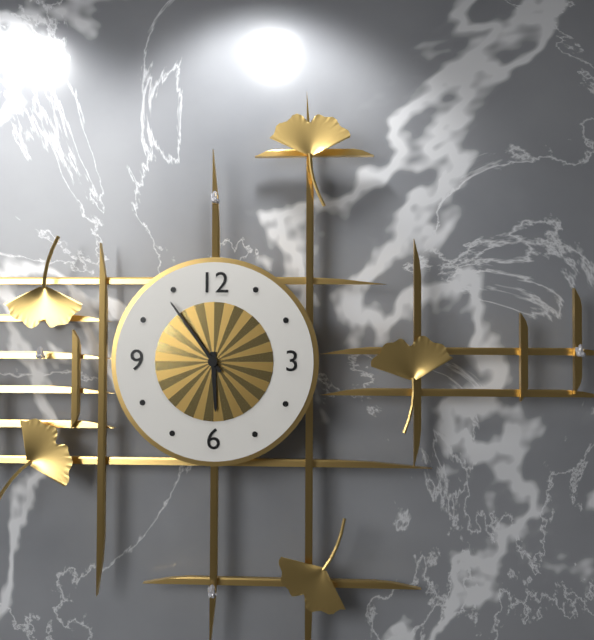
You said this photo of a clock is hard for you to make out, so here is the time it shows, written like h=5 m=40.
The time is h=5 m=54
